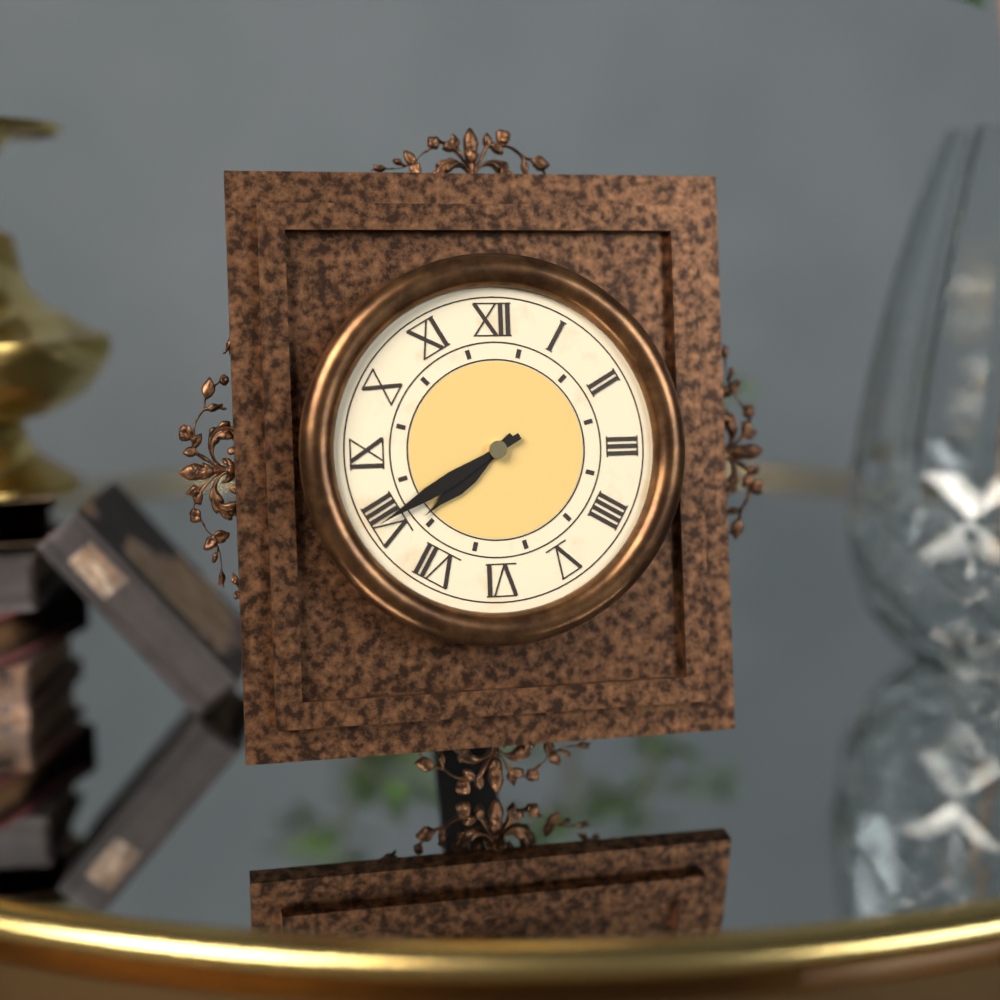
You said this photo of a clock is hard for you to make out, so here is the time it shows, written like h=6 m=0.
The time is h=7 m=40
